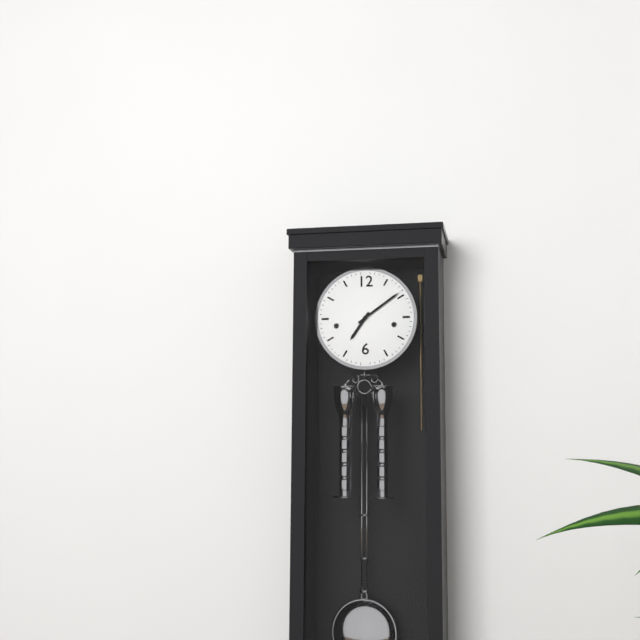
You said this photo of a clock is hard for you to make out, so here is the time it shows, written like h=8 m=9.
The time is h=7 m=9
